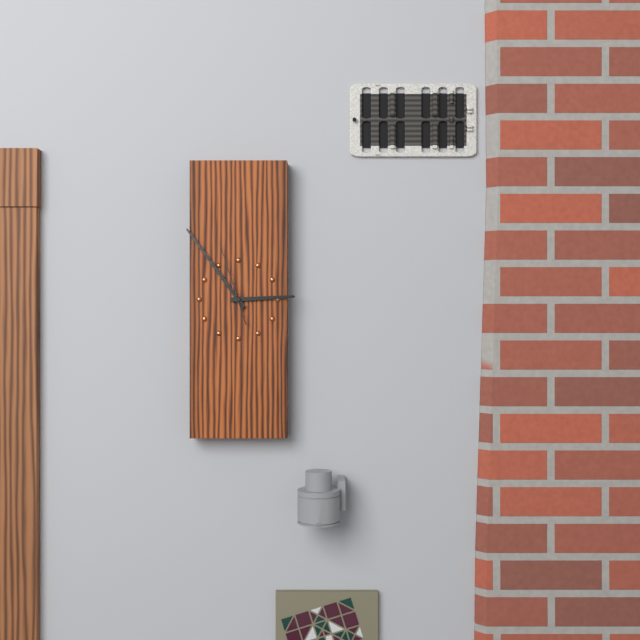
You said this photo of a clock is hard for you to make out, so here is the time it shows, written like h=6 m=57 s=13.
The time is h=2 m=54 s=57
